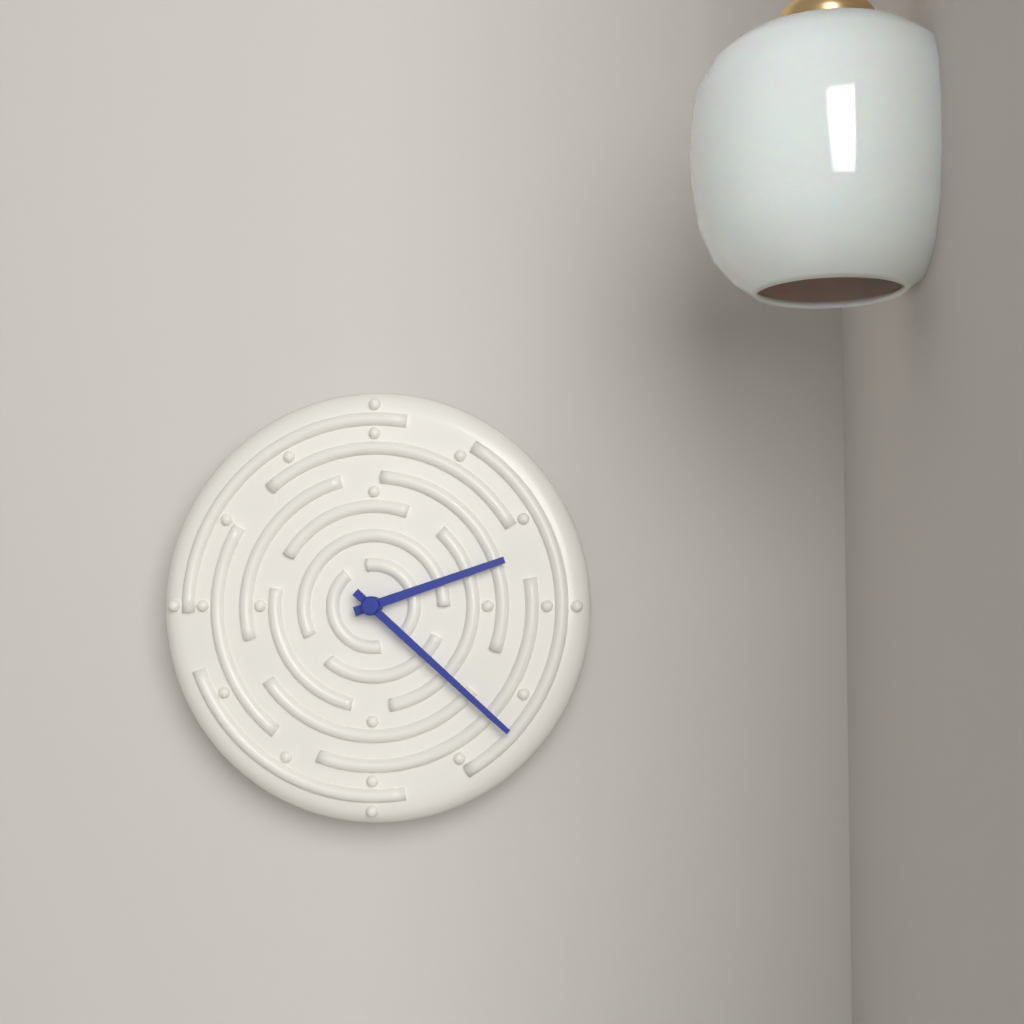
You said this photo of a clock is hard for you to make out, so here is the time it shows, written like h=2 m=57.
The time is h=2 m=22
